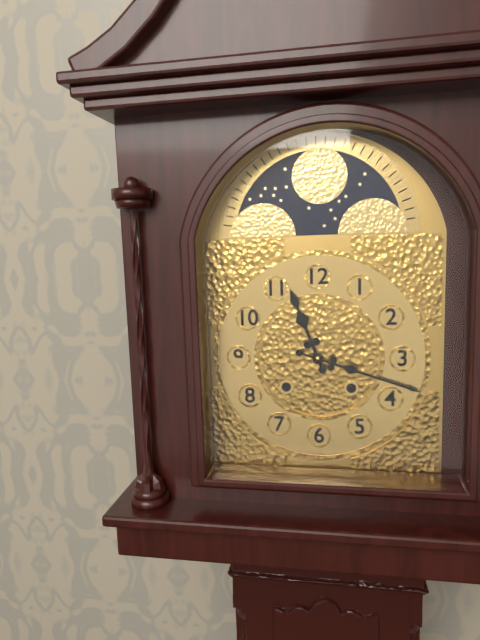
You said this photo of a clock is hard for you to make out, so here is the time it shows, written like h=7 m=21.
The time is h=11 m=18
